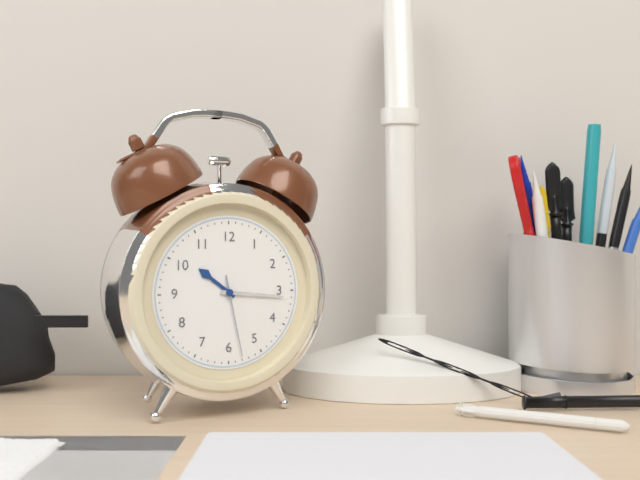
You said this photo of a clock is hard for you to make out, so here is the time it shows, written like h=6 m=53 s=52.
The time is h=10 m=16 s=28
